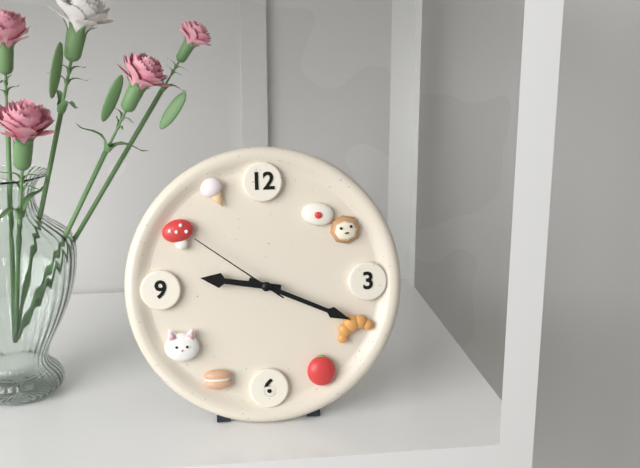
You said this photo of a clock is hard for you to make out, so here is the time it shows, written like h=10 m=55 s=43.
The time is h=9 m=19 s=51
